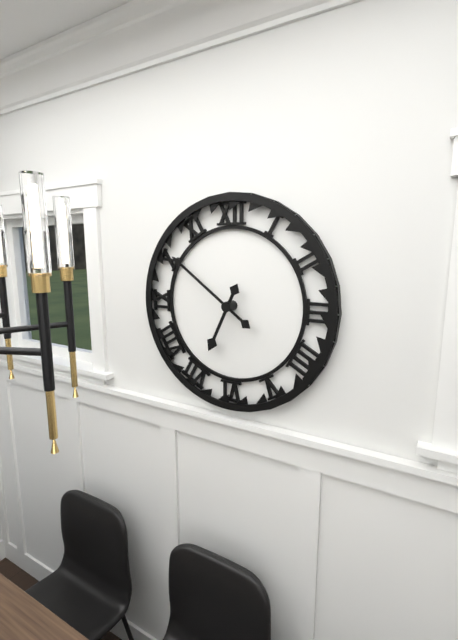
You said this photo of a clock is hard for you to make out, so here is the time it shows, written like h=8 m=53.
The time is h=6 m=51
